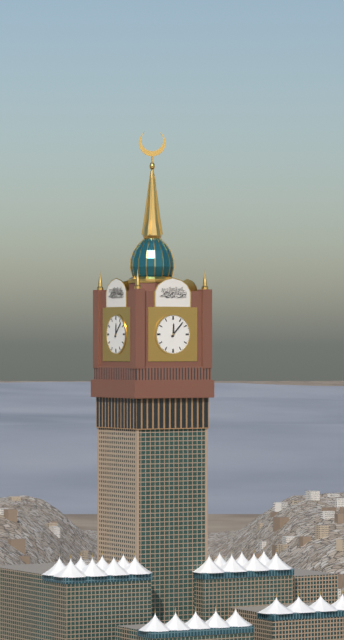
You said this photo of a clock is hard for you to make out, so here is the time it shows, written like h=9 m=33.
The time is h=12 m=7
